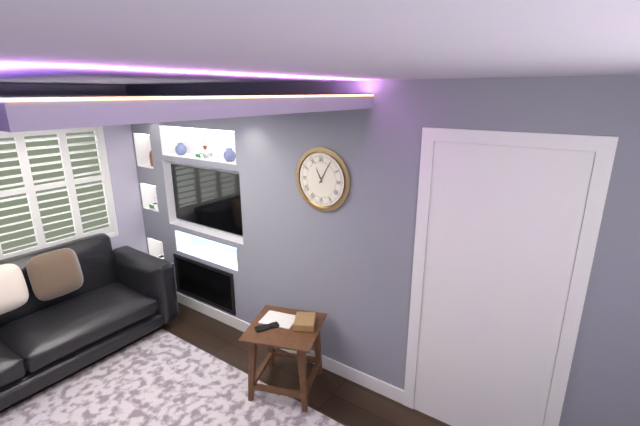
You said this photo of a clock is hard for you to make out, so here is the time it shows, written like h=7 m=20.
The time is h=11 m=5
